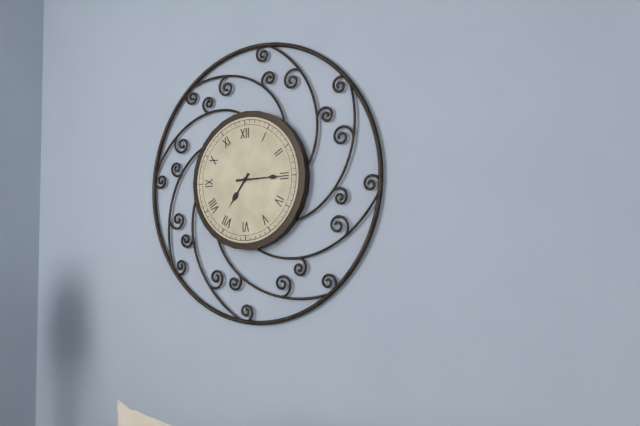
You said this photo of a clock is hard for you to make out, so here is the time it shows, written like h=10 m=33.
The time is h=7 m=15
